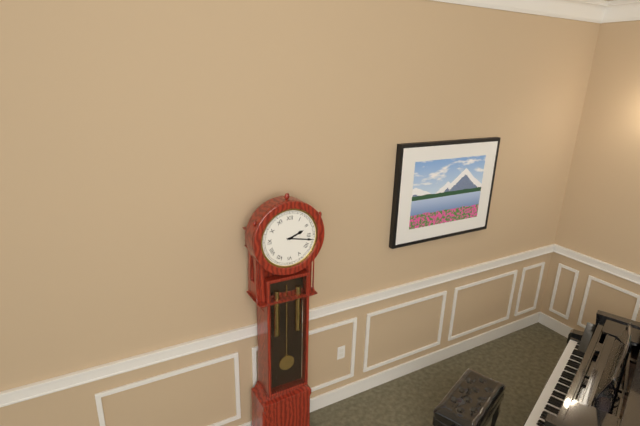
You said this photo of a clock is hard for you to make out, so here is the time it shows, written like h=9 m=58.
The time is h=2 m=17
